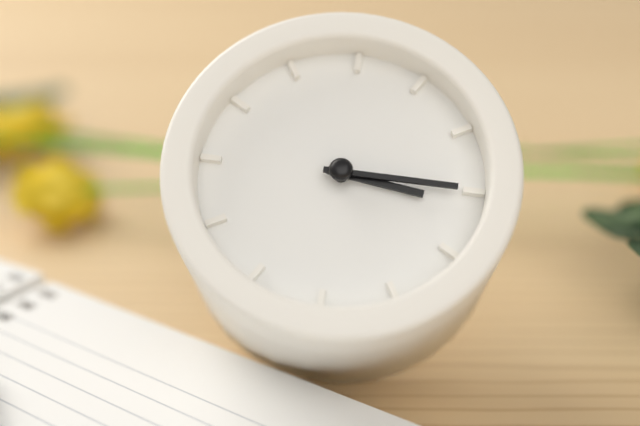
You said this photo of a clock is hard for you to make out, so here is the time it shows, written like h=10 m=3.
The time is h=3 m=15
